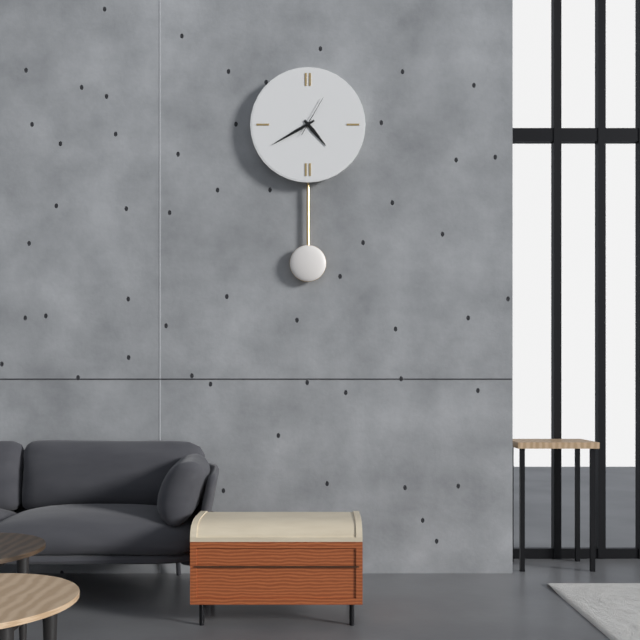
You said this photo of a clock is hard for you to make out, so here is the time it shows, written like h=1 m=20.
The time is h=4 m=40
